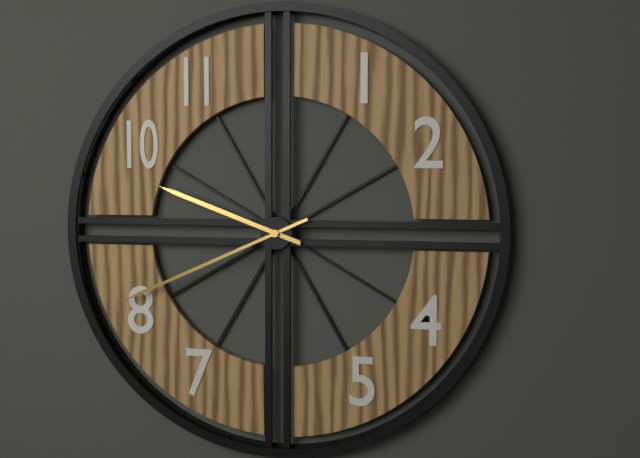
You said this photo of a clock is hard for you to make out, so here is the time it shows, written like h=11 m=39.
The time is h=9 m=41
